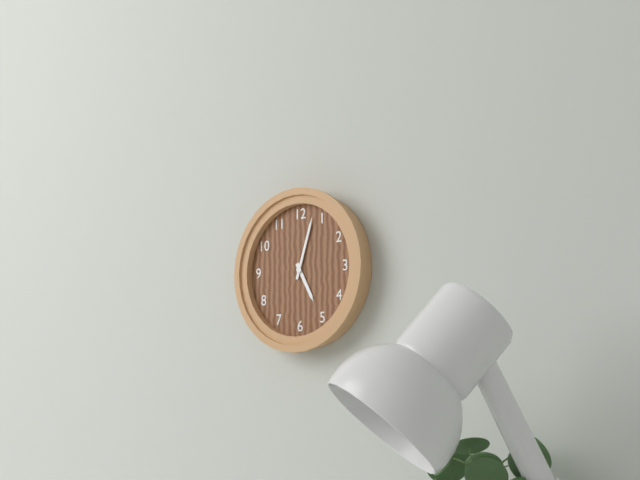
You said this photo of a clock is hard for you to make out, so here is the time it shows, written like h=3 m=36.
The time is h=5 m=3
